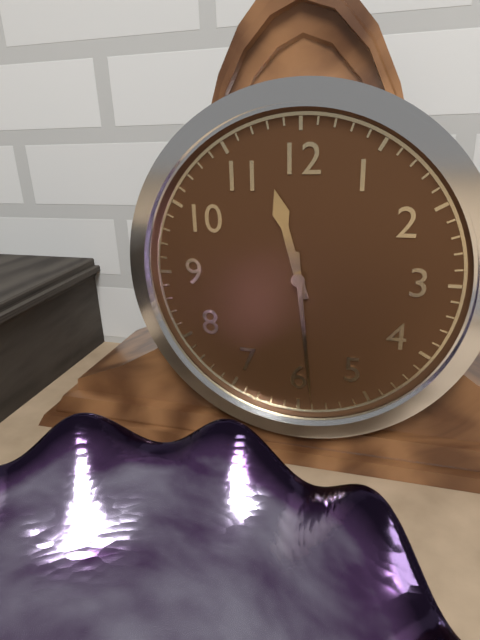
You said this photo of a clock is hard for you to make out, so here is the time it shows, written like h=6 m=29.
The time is h=11 m=29
